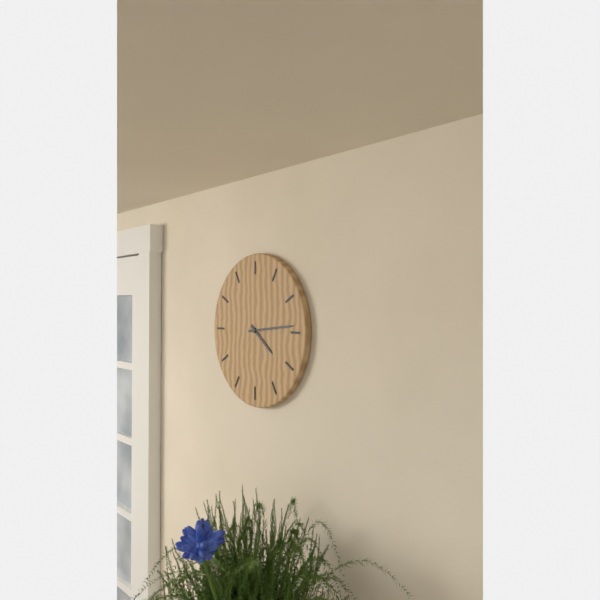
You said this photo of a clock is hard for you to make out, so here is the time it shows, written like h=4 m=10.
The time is h=4 m=14
